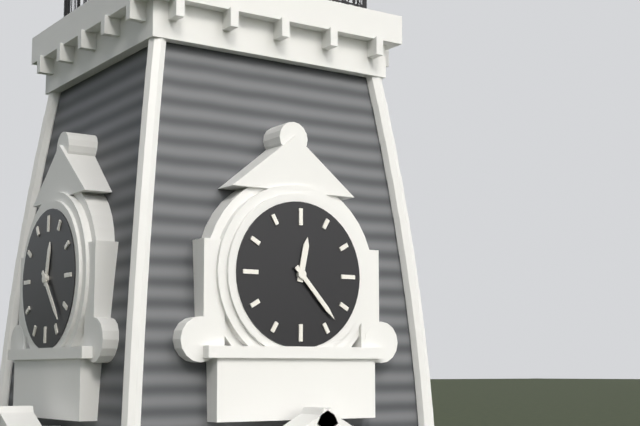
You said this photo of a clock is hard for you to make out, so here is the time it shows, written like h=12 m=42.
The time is h=12 m=23
